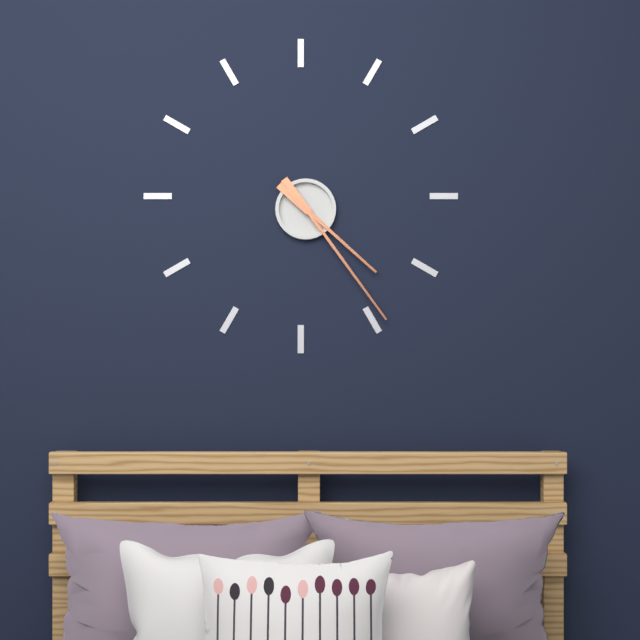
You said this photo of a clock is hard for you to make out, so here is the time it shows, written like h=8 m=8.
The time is h=4 m=24
